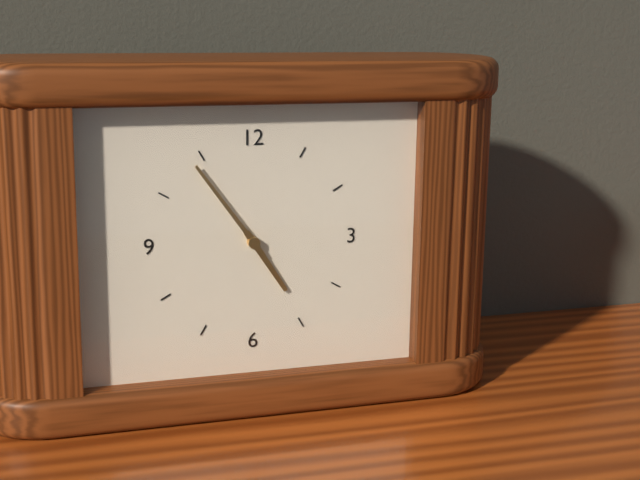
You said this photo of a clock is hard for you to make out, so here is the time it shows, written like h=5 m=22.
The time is h=4 m=54
